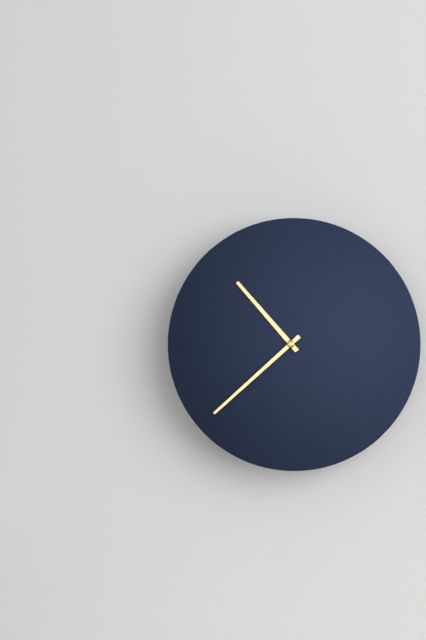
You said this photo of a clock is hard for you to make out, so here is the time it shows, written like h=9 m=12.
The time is h=10 m=38
